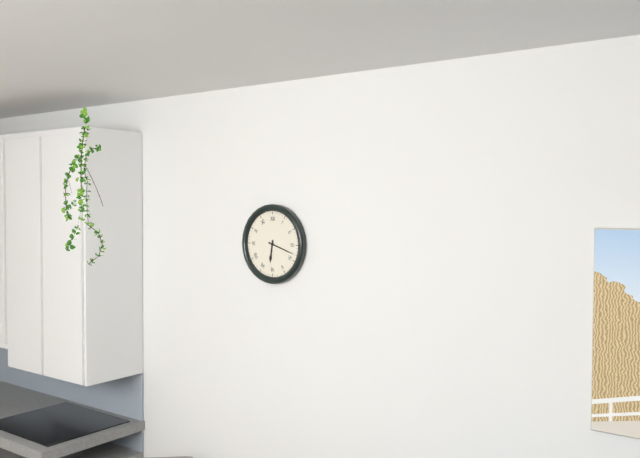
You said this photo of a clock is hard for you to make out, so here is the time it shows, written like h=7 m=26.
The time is h=6 m=18
